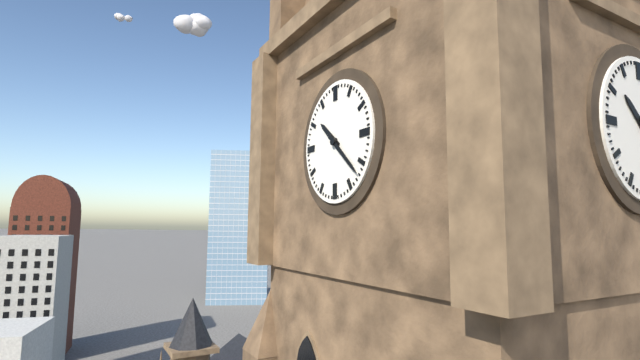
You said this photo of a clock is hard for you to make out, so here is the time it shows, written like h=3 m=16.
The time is h=10 m=22
